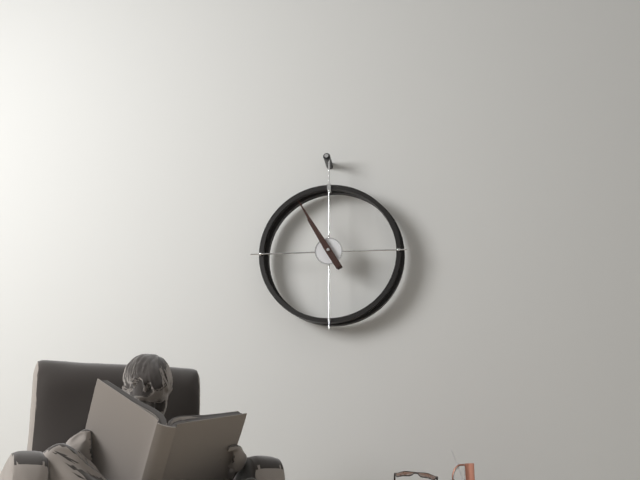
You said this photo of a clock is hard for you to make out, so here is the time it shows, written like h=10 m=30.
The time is h=10 m=55
